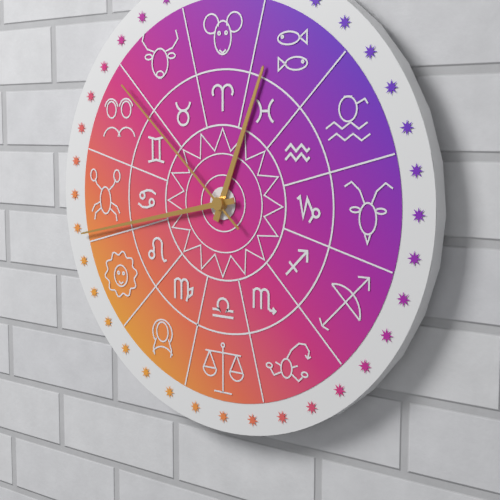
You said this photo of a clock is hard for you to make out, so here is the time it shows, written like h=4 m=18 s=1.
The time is h=12 m=43 s=52
